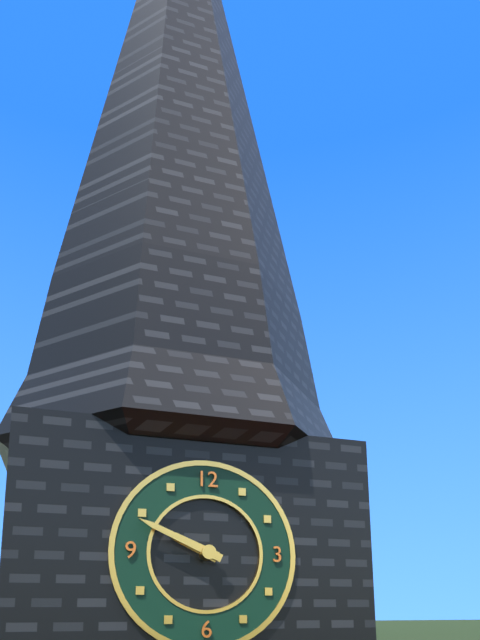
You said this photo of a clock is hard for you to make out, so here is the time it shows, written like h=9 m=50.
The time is h=9 m=49
